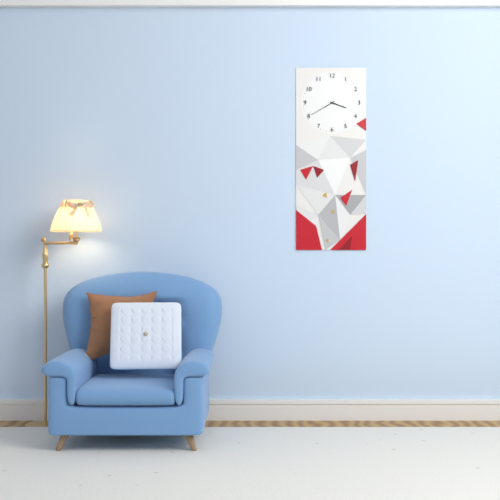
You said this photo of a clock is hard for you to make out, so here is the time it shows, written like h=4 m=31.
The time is h=3 m=40
